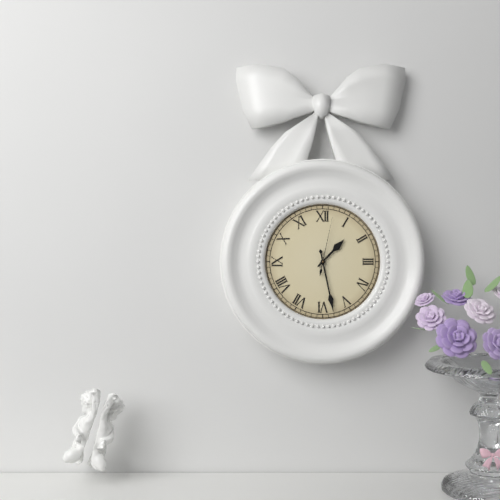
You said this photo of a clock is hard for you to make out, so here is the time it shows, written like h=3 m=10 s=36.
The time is h=1 m=28 s=2
